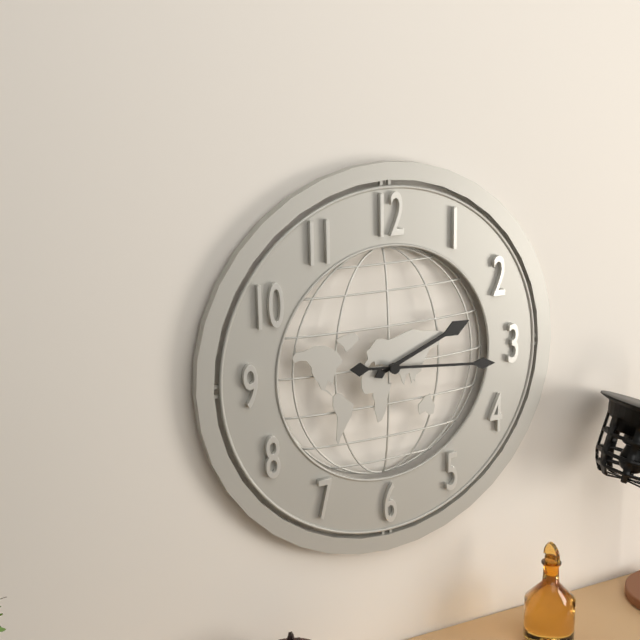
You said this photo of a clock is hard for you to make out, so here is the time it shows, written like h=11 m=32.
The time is h=2 m=16
